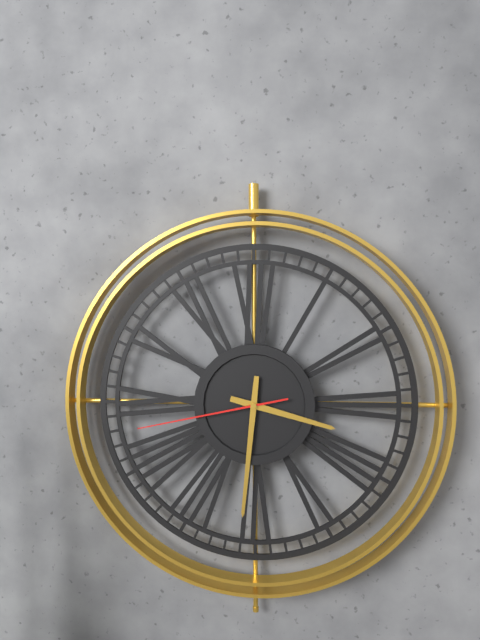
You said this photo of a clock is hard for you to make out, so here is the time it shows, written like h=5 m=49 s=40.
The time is h=3 m=31 s=43
